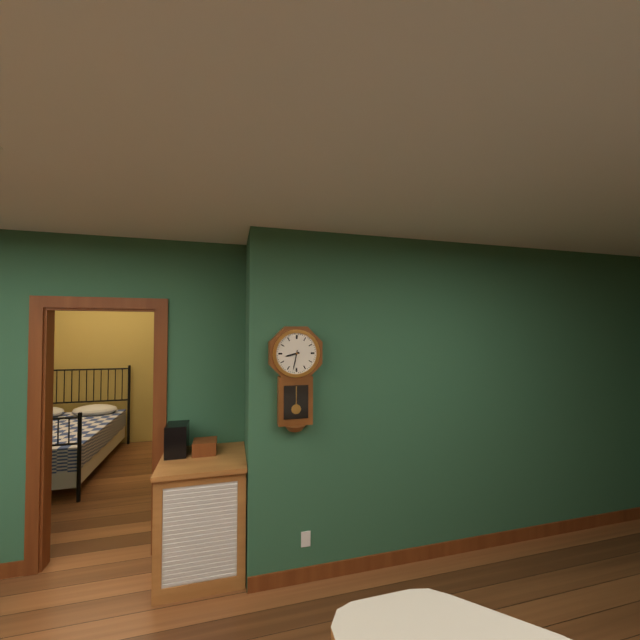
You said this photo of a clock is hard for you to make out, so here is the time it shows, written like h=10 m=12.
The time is h=8 m=32
